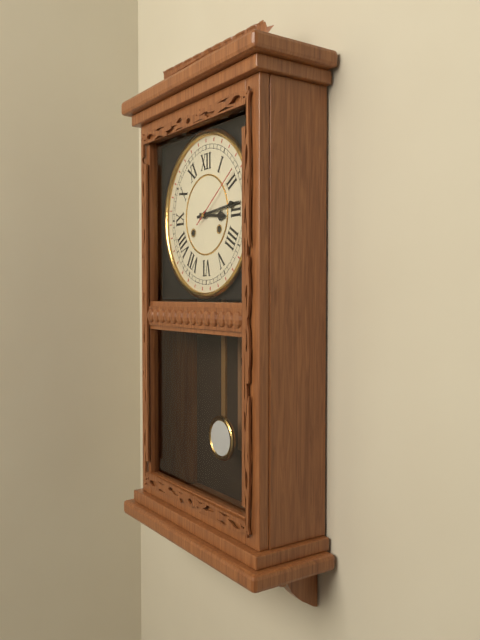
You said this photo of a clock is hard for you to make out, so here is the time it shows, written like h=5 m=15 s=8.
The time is h=3 m=14 s=9
